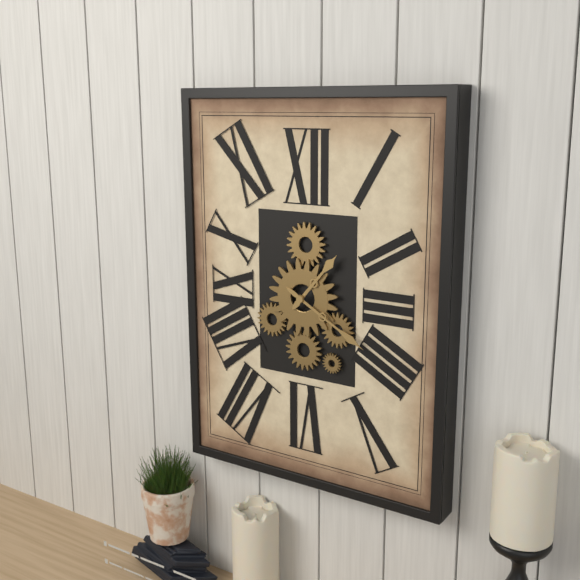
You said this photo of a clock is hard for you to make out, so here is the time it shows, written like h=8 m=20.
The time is h=1 m=20
